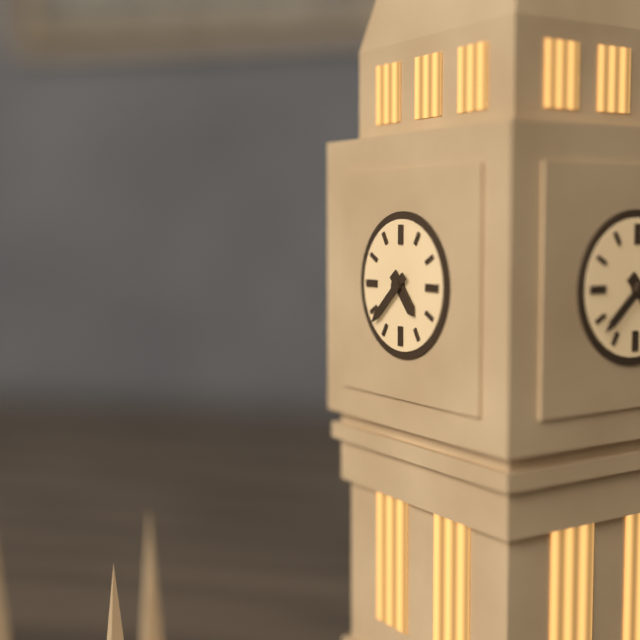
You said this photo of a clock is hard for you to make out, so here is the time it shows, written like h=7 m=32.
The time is h=4 m=38
